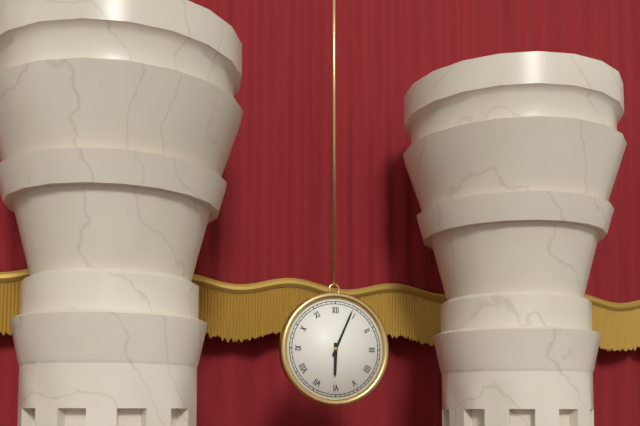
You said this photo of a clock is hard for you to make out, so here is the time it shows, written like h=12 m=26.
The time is h=6 m=4
